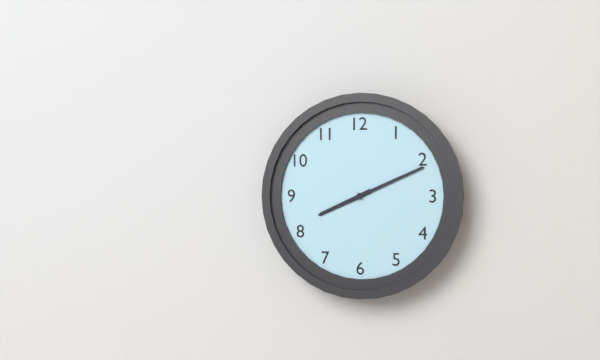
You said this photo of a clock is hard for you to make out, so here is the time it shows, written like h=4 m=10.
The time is h=8 m=11
